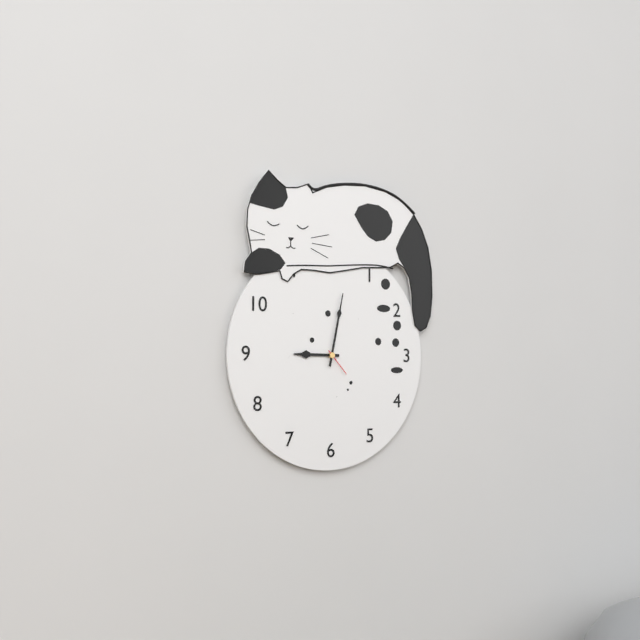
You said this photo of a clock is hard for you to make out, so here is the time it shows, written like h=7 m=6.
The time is h=9 m=2
